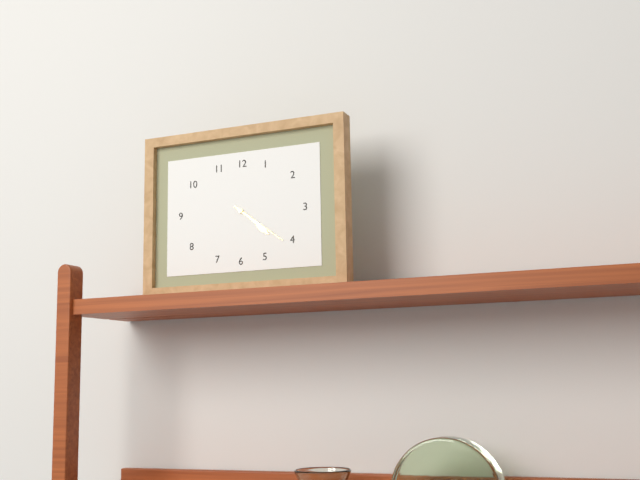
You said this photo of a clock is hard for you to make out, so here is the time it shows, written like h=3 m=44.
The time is h=4 m=21
